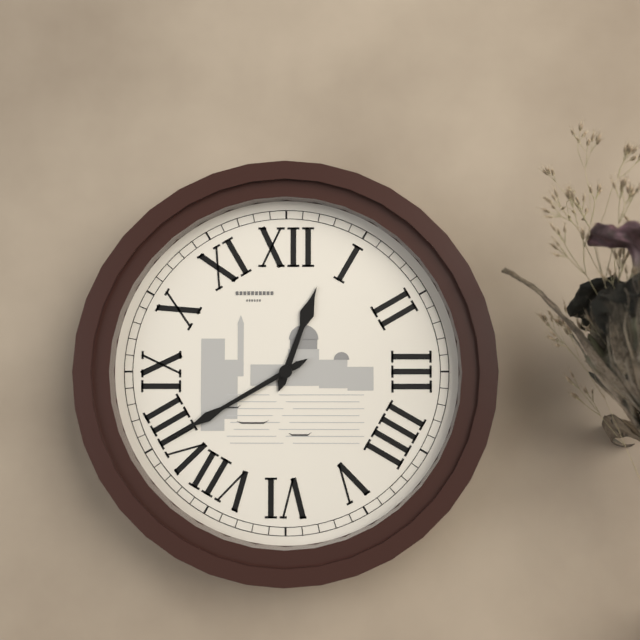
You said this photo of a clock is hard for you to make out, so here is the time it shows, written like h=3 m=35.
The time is h=12 m=40
